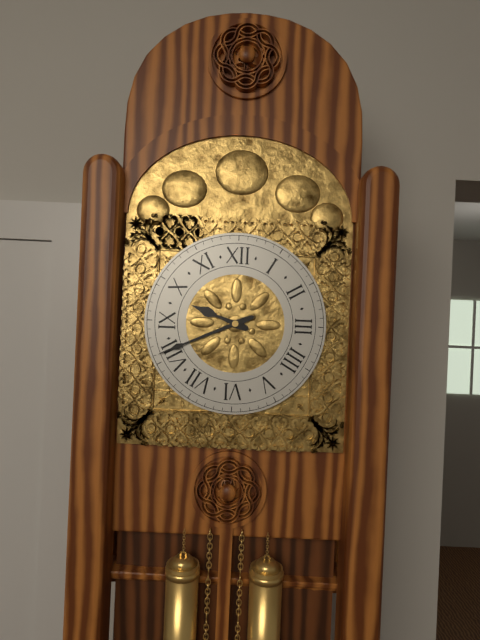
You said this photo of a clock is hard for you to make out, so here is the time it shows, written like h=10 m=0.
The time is h=9 m=41
